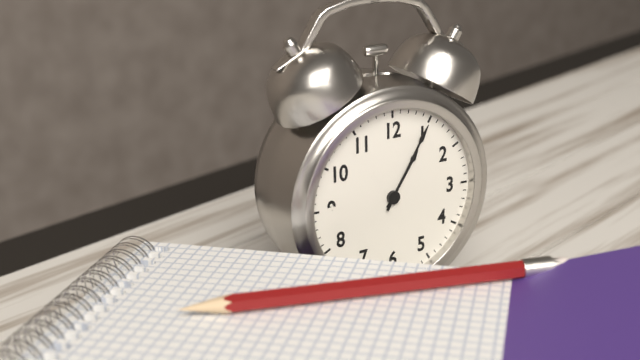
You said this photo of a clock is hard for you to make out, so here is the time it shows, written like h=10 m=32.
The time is h=1 m=5
